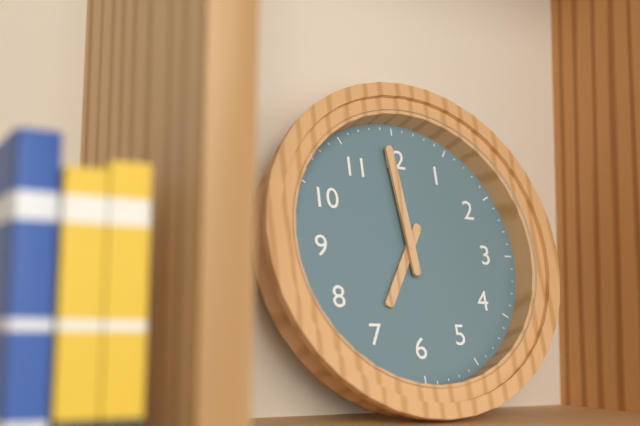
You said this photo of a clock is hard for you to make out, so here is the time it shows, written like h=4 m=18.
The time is h=6 m=59
